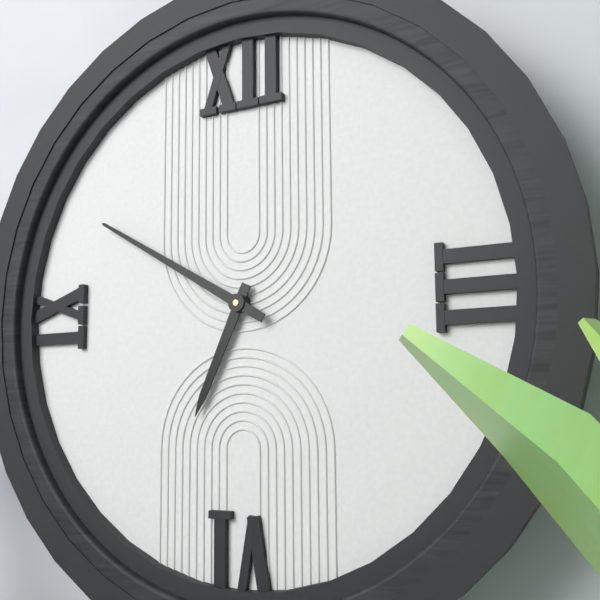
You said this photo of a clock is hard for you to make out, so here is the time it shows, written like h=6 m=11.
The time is h=6 m=50
